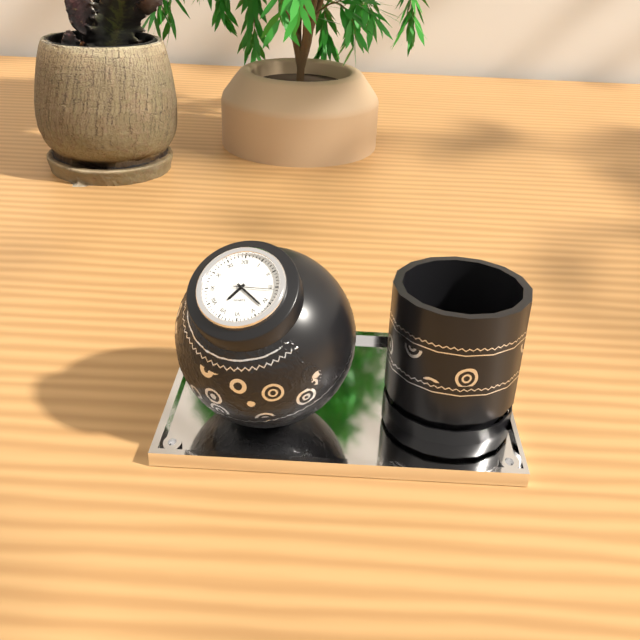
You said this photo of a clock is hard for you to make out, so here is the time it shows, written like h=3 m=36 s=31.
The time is h=7 m=22 s=16
